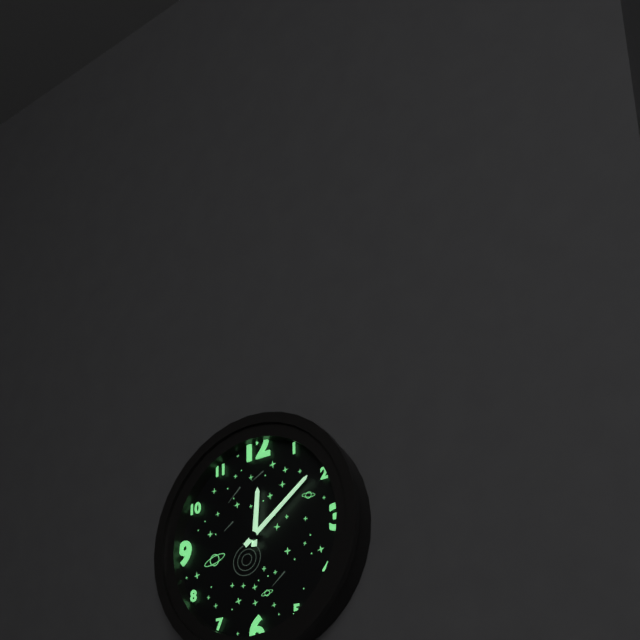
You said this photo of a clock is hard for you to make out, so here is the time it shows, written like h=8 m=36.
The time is h=12 m=9
